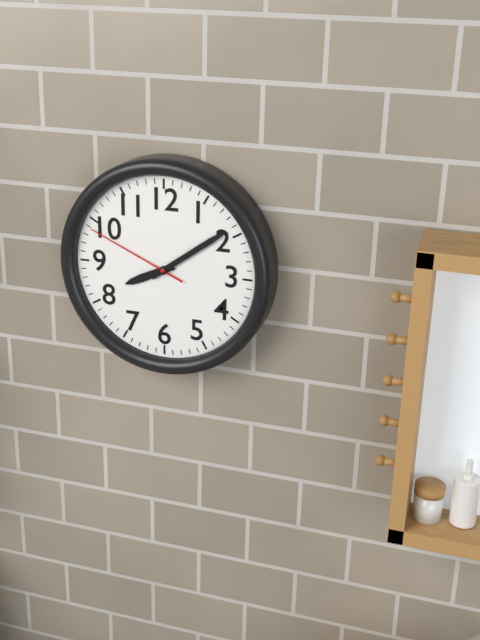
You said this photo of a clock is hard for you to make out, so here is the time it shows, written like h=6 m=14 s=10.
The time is h=8 m=9 s=49
